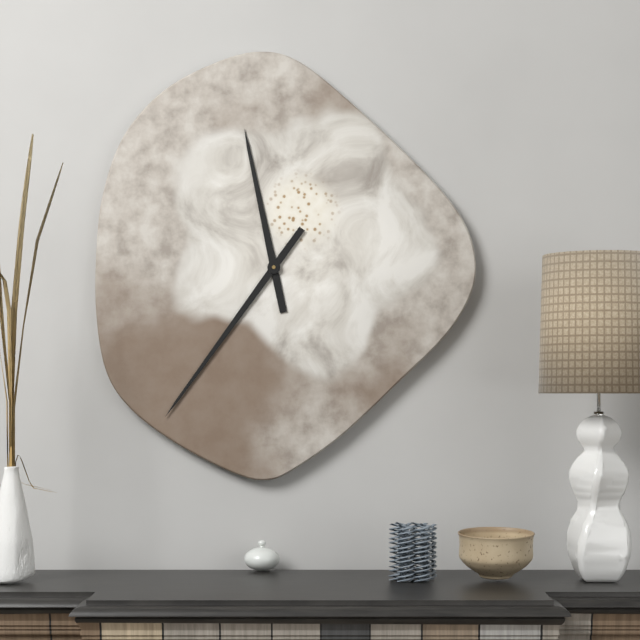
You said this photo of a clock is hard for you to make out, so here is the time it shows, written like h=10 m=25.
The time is h=11 m=36
